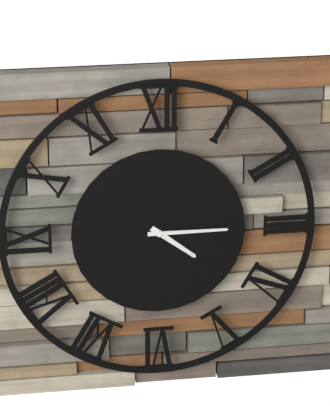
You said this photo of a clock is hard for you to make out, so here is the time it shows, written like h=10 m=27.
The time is h=4 m=15
